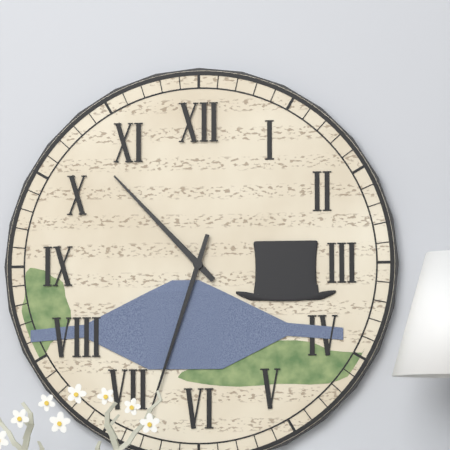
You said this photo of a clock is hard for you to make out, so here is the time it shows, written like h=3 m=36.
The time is h=10 m=33
